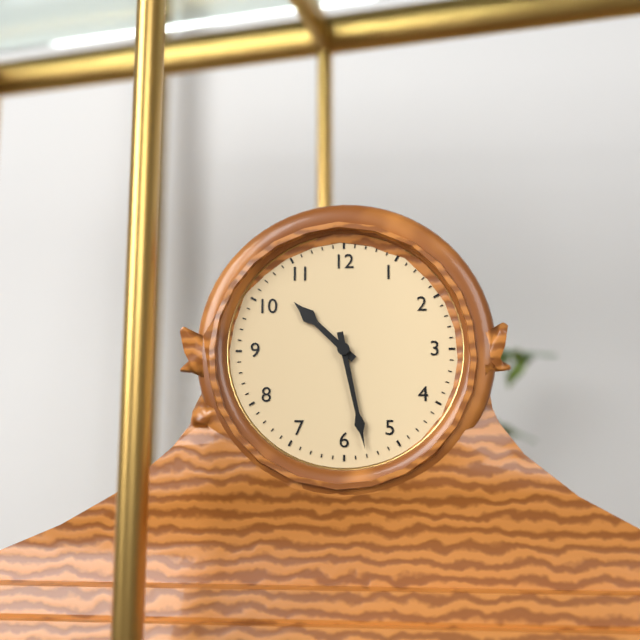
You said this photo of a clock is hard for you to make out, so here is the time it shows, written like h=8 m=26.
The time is h=10 m=28
